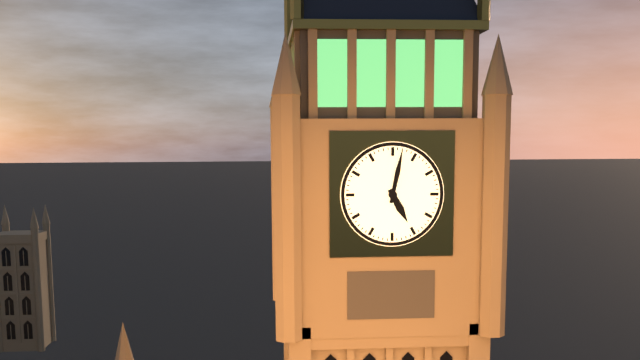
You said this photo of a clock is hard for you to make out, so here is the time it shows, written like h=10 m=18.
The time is h=5 m=2
